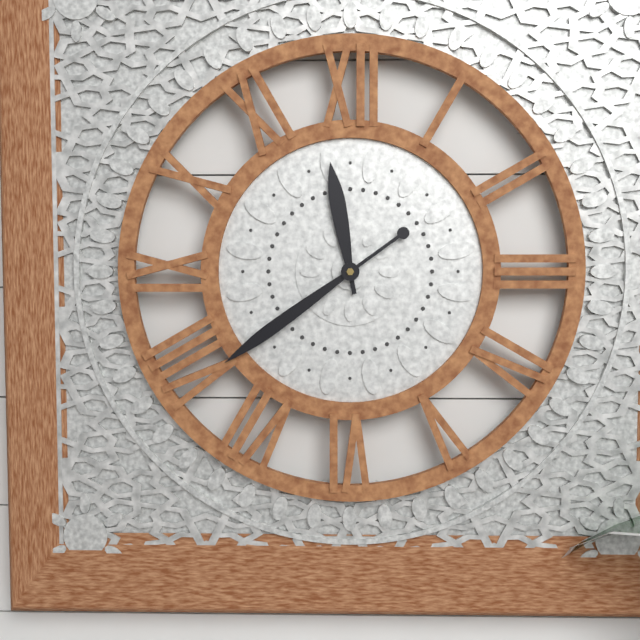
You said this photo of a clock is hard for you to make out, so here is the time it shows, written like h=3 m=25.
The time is h=11 m=39
